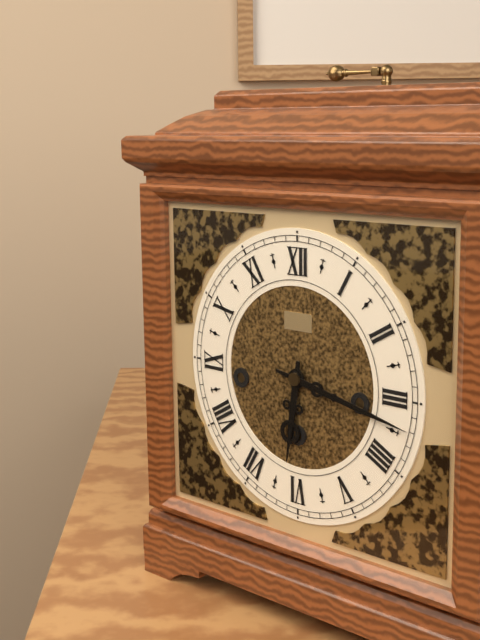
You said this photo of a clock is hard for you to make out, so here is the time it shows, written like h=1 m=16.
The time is h=6 m=17
